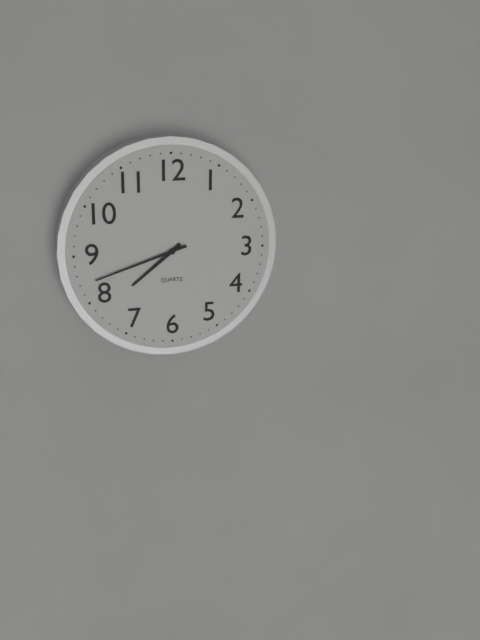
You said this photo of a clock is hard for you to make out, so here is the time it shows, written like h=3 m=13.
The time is h=7 m=42
